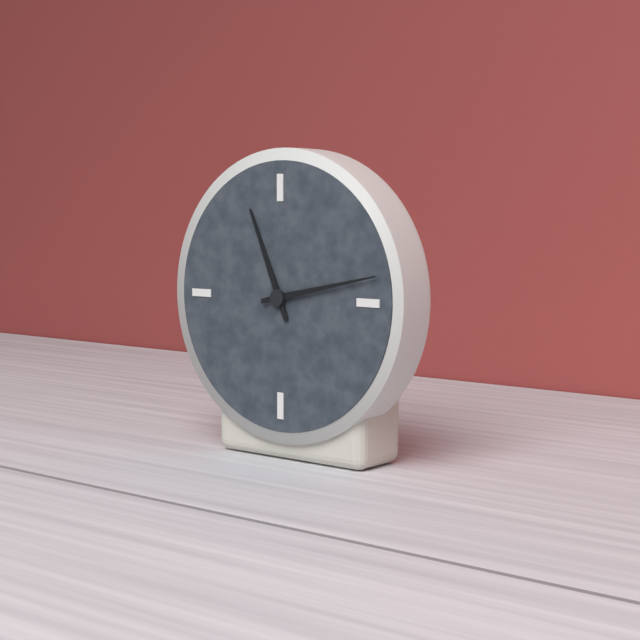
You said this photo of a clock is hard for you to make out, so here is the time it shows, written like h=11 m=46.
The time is h=11 m=13
